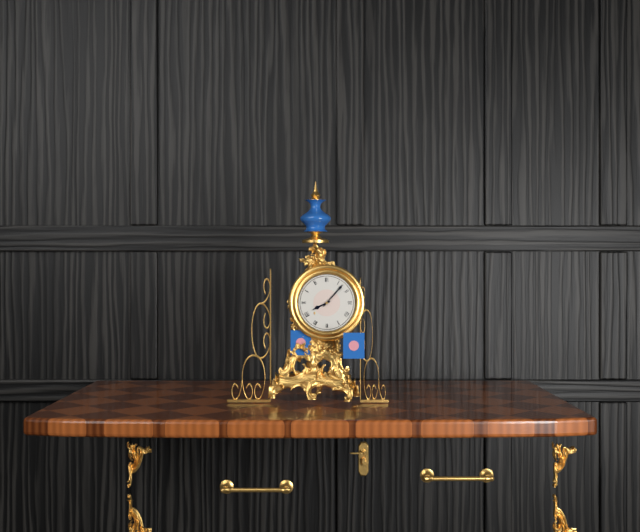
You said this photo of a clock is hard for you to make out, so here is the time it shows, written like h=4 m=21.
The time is h=8 m=7
